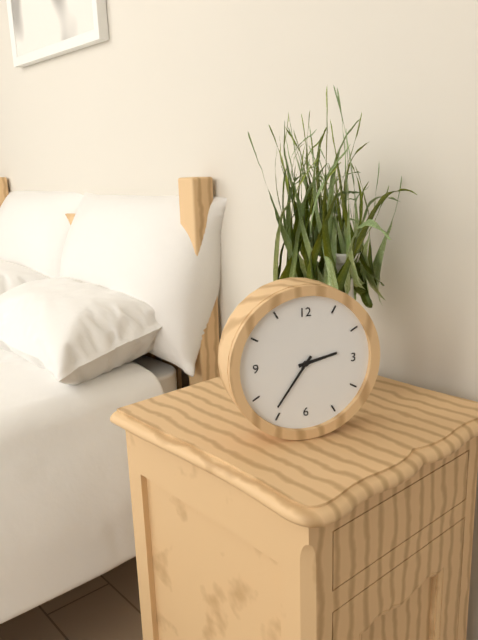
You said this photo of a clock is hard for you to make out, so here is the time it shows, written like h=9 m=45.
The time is h=2 m=36
